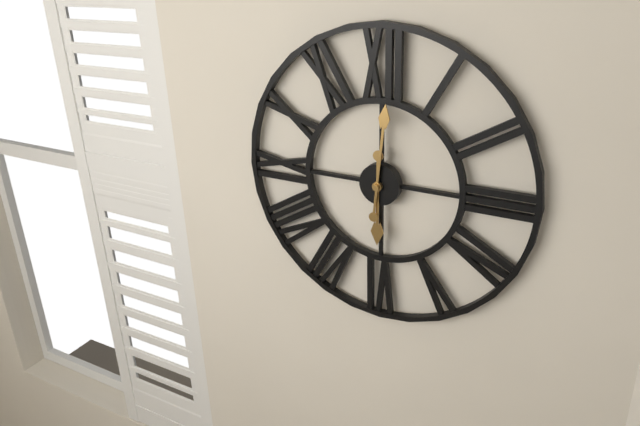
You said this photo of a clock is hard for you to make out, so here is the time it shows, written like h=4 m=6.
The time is h=6 m=1
